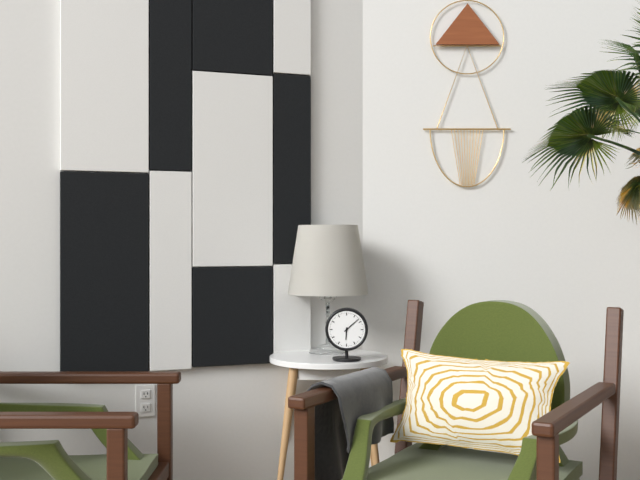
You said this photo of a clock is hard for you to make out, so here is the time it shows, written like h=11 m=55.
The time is h=6 m=8
